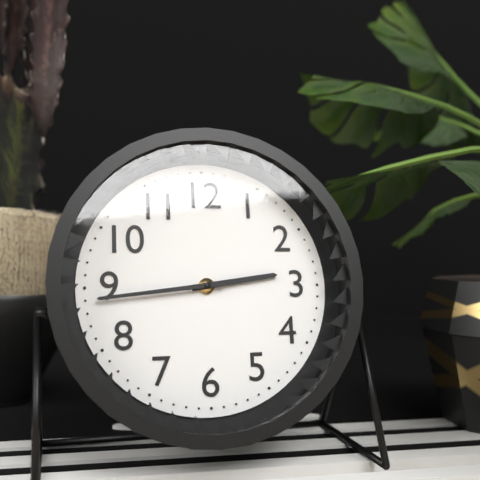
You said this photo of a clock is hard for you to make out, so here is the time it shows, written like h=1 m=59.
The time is h=2 m=44
